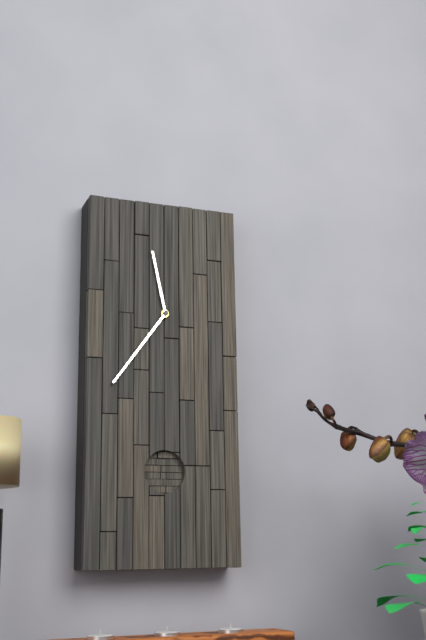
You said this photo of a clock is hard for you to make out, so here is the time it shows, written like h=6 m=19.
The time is h=11 m=36
